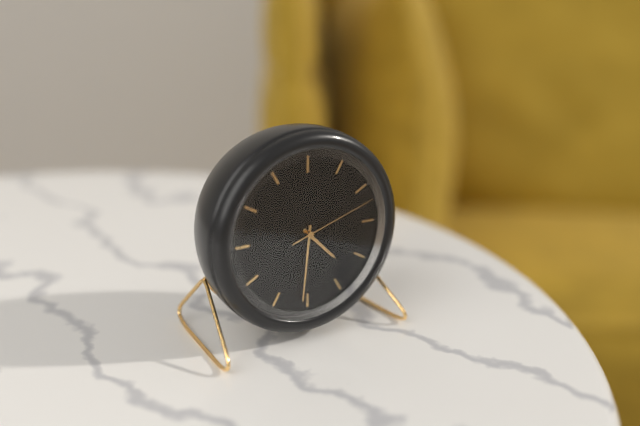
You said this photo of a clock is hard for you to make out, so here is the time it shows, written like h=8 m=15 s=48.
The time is h=4 m=31 s=12
